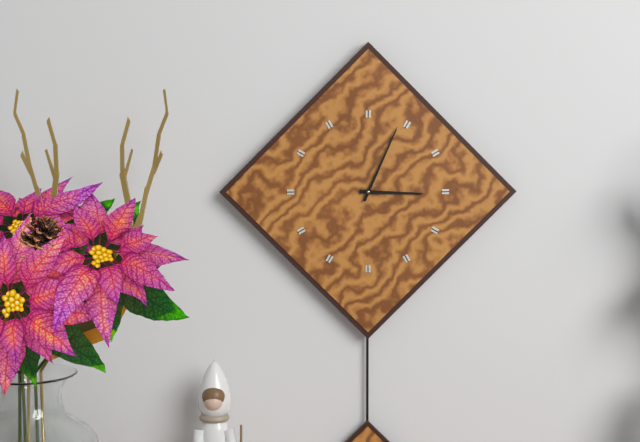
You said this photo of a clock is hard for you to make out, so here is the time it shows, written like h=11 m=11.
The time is h=3 m=4
